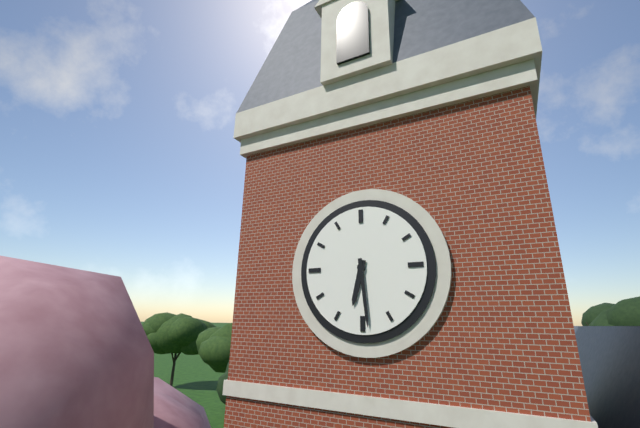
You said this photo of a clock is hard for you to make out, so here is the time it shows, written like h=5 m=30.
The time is h=6 m=29
